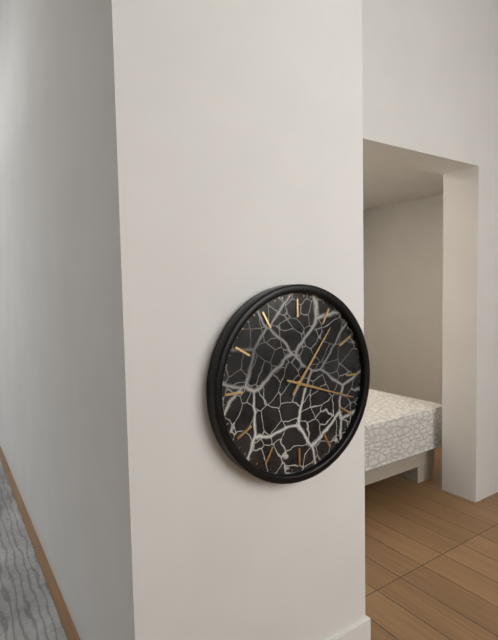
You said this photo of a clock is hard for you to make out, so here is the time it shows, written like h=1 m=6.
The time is h=1 m=18
